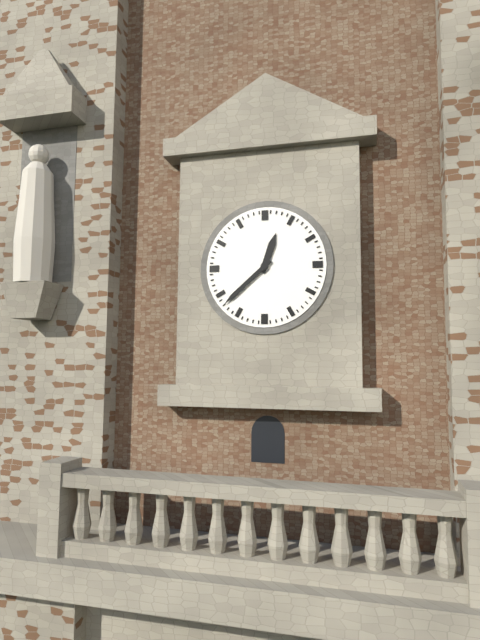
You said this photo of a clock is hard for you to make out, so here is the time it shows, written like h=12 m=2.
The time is h=12 m=38
